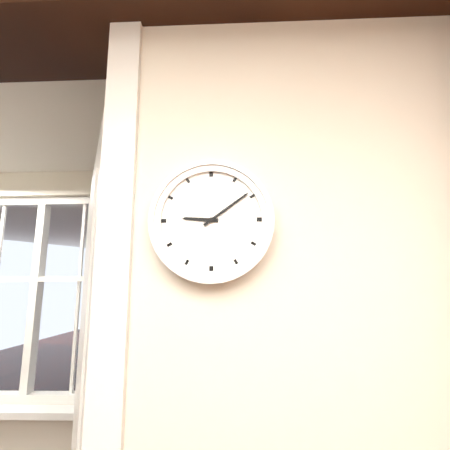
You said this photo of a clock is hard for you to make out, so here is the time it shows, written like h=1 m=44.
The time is h=9 m=9
